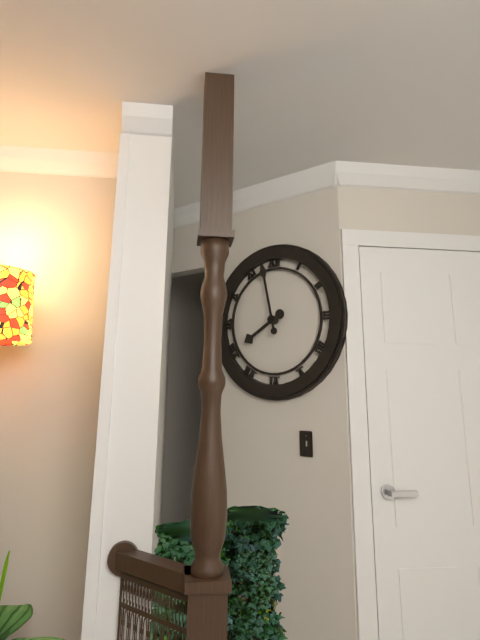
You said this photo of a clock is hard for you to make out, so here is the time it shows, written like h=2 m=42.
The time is h=7 m=58
